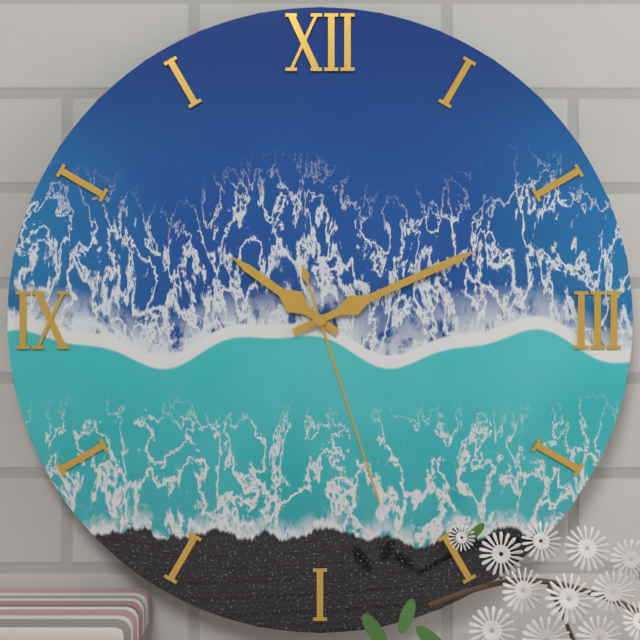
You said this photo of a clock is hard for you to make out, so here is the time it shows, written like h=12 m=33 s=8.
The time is h=10 m=11 s=27
